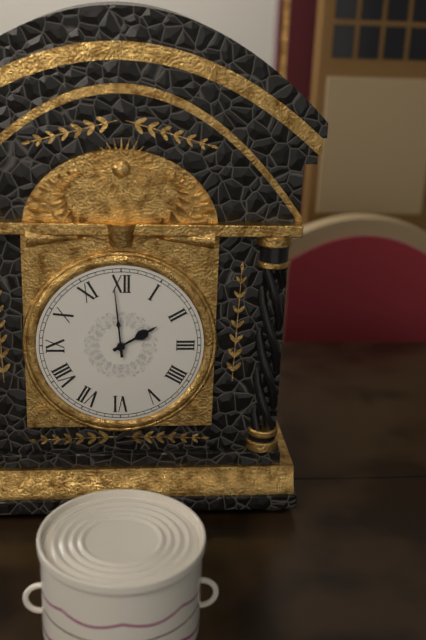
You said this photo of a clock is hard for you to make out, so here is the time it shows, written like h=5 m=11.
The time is h=1 m=59
